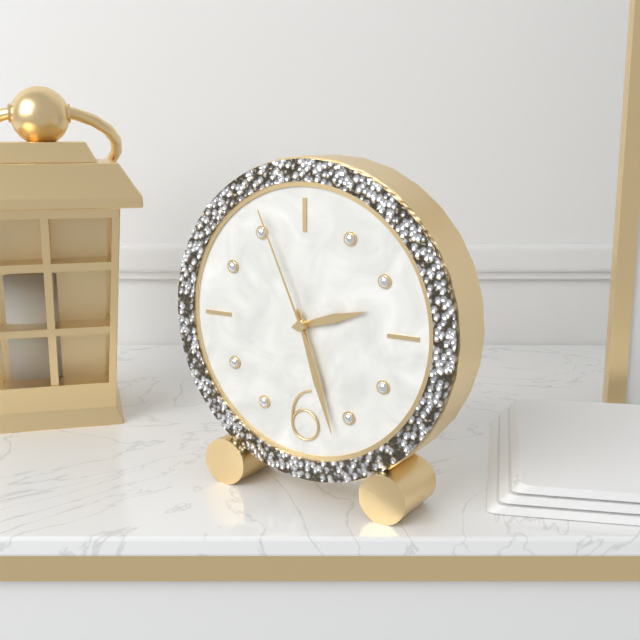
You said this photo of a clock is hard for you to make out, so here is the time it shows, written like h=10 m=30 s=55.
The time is h=2 m=27 s=56
